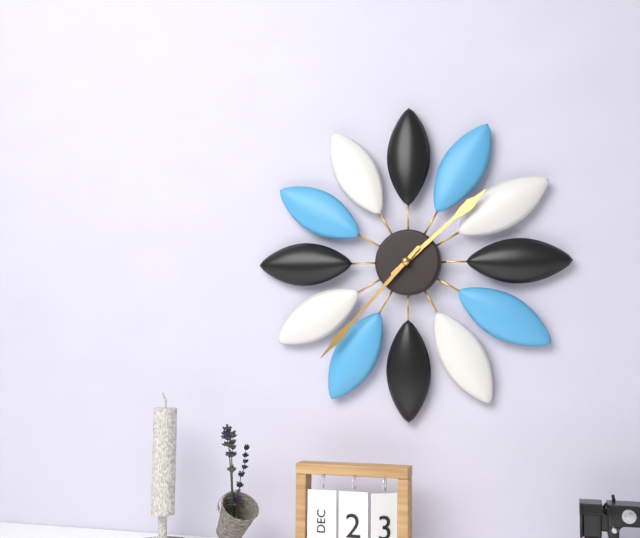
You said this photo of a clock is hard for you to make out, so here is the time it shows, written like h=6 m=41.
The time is h=1 m=37
